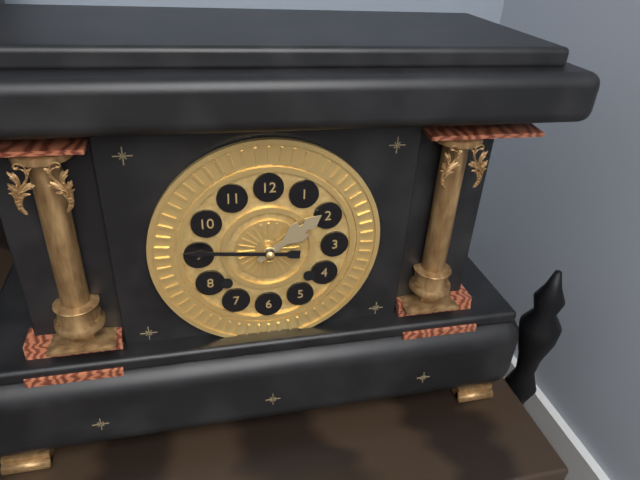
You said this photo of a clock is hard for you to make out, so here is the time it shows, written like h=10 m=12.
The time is h=1 m=46
